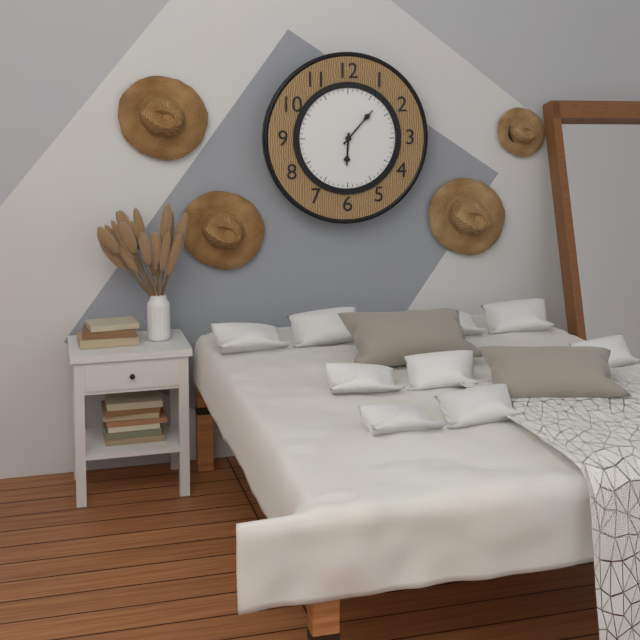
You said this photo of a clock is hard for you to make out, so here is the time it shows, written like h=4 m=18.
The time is h=6 m=7
